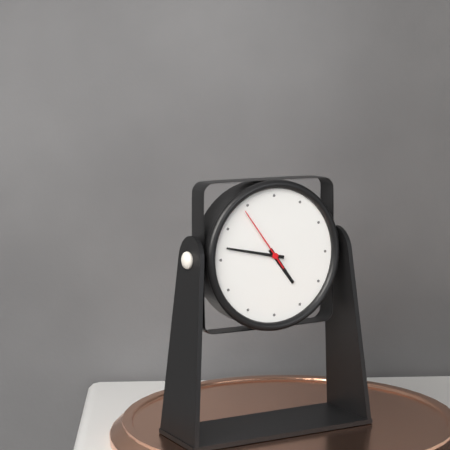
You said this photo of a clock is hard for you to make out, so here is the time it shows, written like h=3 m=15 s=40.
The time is h=4 m=47 s=54
